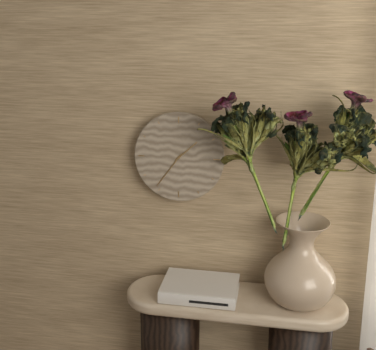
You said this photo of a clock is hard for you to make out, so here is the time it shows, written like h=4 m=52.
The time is h=1 m=36
